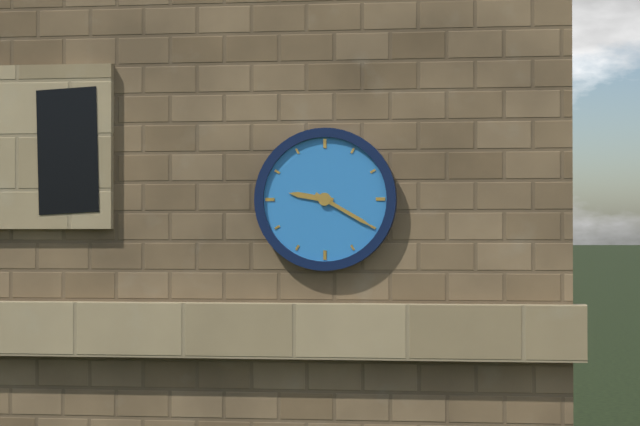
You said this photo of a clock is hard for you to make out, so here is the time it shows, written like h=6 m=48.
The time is h=9 m=20
